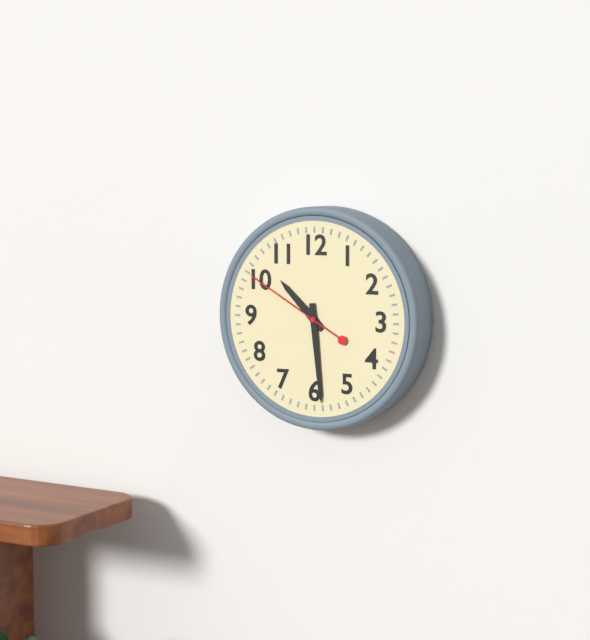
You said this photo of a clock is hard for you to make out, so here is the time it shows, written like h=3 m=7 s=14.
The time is h=10 m=29 s=50
